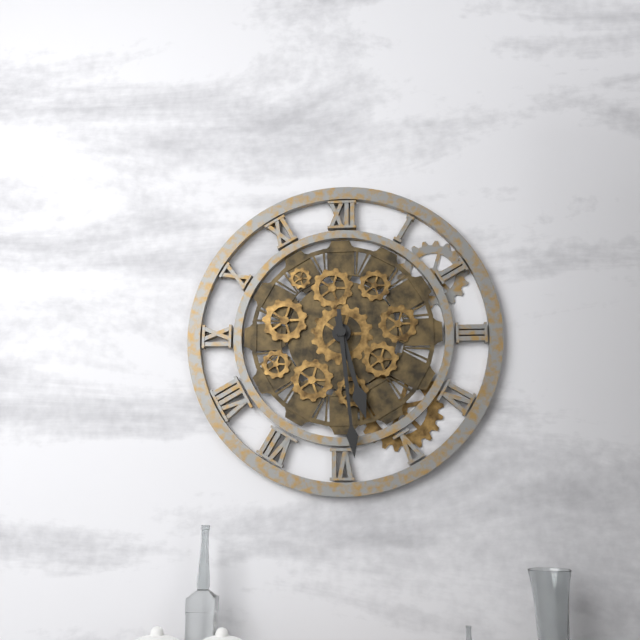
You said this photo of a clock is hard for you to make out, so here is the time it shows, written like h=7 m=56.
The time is h=5 m=29
